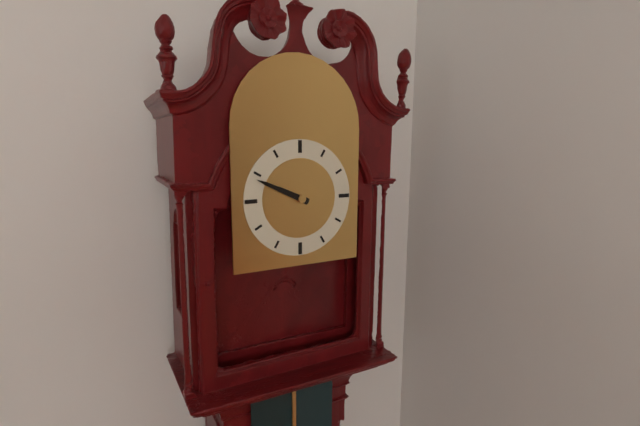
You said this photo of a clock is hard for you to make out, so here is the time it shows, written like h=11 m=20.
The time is h=9 m=49
